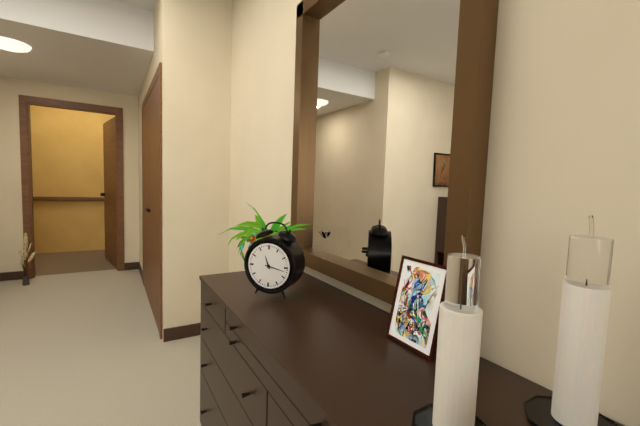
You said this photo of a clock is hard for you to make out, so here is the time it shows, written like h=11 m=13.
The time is h=11 m=17
